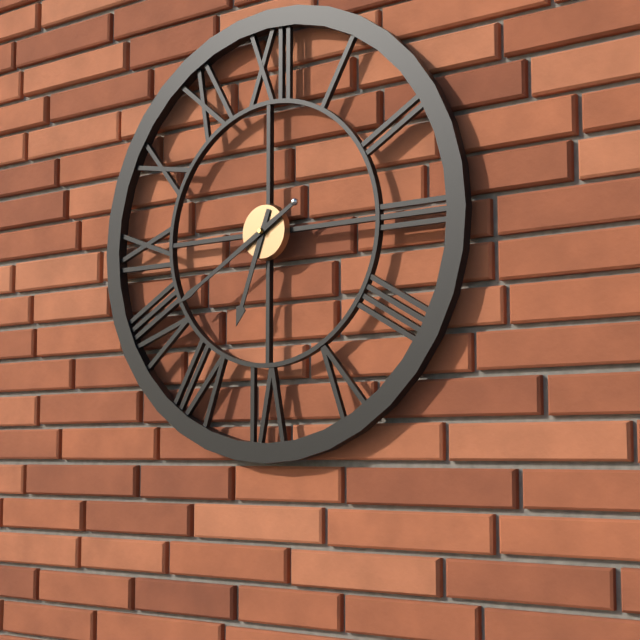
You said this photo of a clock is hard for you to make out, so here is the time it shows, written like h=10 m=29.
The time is h=6 m=40
